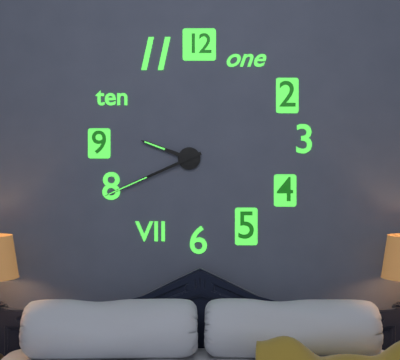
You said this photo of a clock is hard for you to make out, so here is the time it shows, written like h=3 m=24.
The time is h=9 m=41
